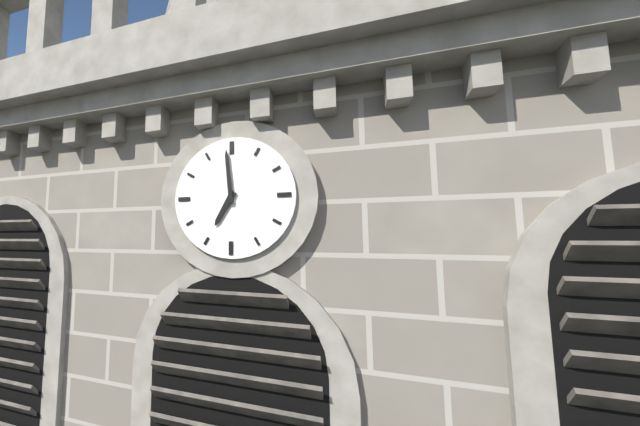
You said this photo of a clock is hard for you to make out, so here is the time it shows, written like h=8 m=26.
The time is h=6 m=59
